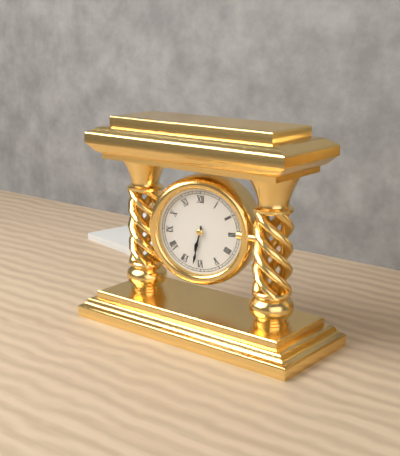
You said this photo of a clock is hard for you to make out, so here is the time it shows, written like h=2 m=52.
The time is h=6 m=32
